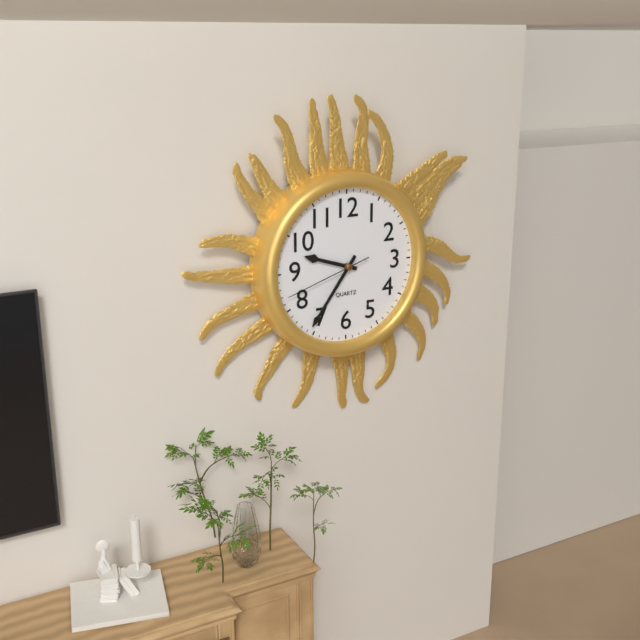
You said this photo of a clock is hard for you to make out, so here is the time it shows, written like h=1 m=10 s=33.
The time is h=9 m=36 s=42
